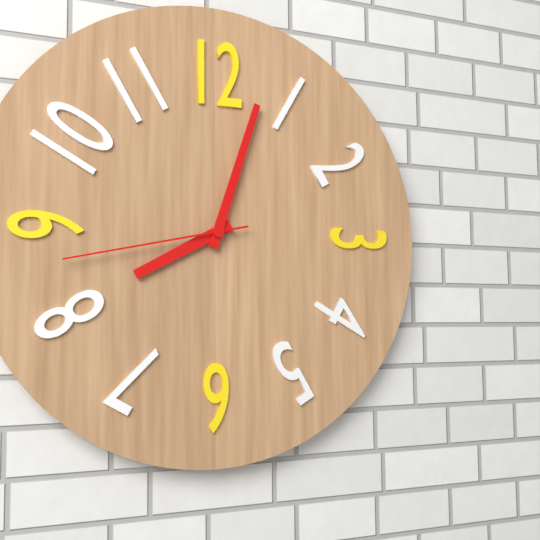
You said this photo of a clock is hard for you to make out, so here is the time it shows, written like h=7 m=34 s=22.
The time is h=8 m=3 s=43
